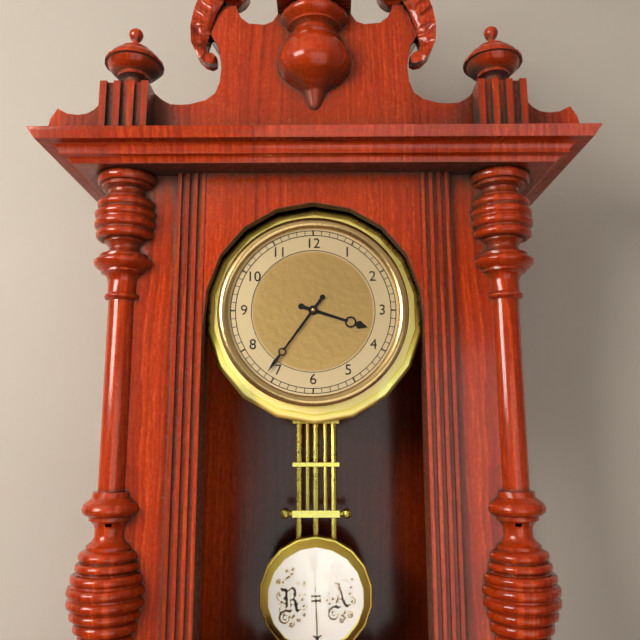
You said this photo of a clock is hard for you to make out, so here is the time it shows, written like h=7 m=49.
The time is h=3 m=36
